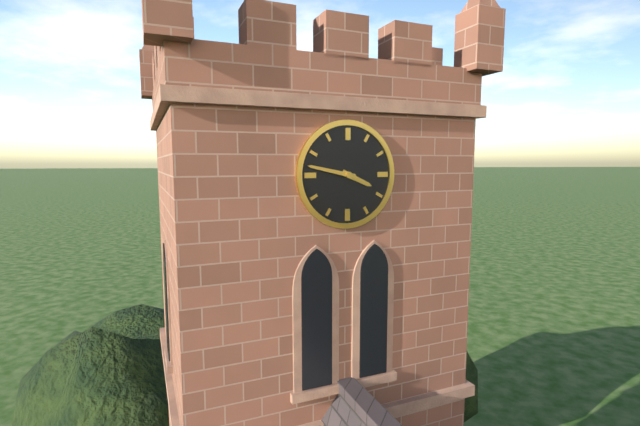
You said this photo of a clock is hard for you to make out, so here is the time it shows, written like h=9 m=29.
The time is h=3 m=47
